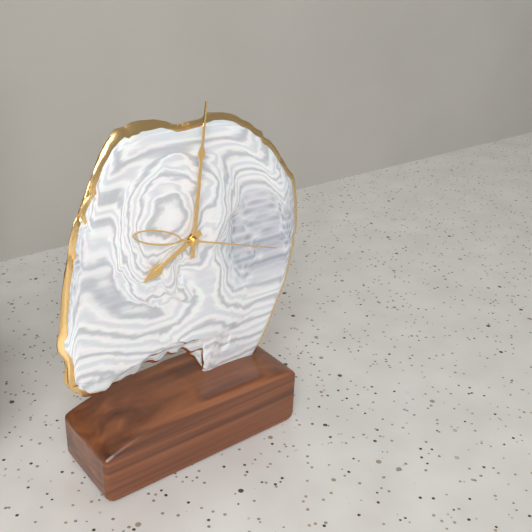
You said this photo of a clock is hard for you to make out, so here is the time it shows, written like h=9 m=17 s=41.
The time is h=8 m=1 s=18
